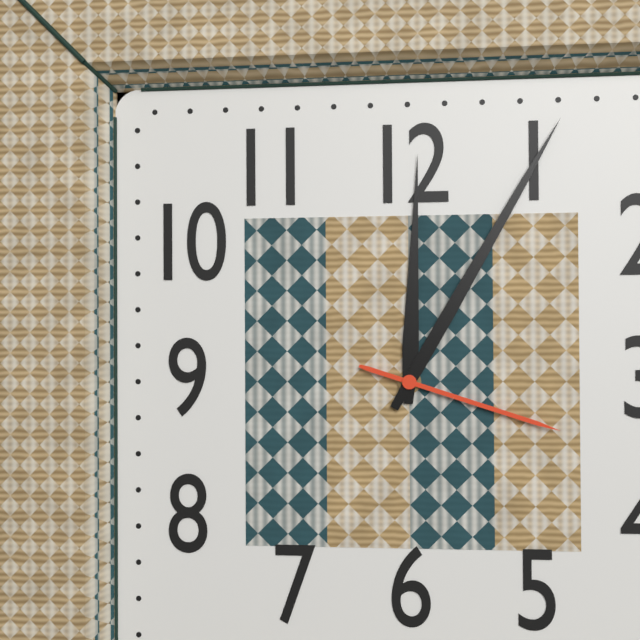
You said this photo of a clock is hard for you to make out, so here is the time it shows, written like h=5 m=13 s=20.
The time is h=12 m=5 s=18
